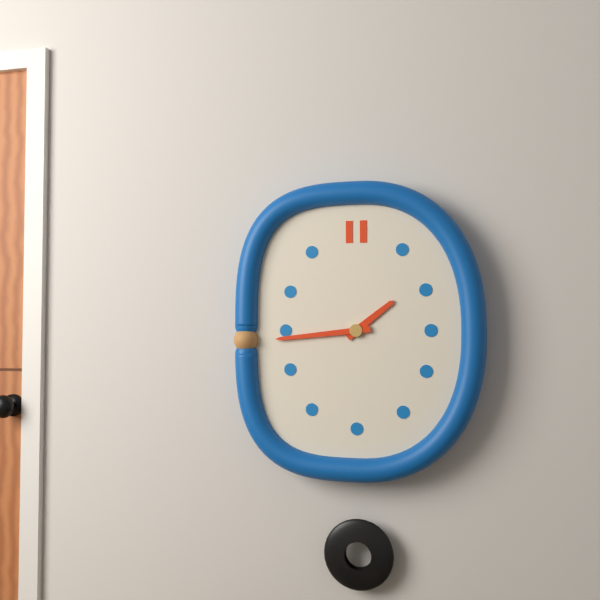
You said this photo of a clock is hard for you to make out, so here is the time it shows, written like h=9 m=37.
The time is h=1 m=44
